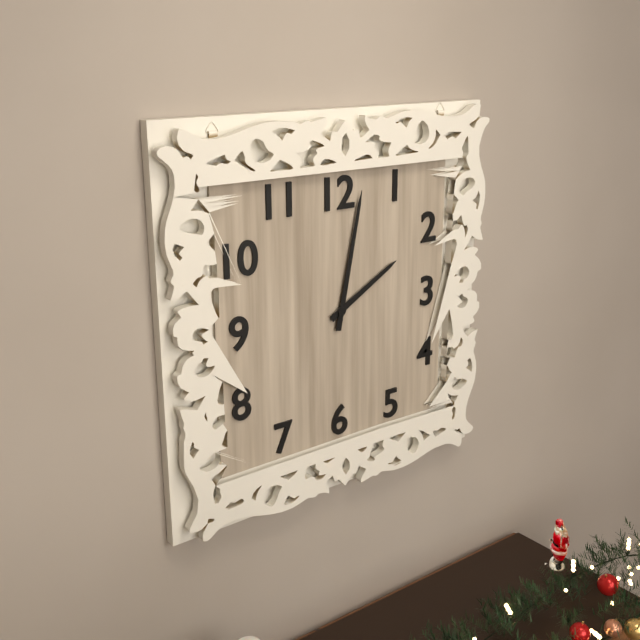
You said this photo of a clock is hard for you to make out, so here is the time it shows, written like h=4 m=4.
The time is h=2 m=2
